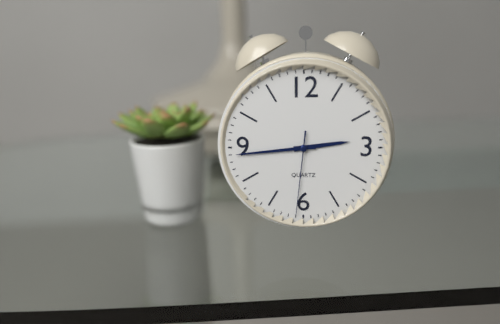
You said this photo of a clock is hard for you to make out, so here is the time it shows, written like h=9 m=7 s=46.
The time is h=2 m=44 s=31
